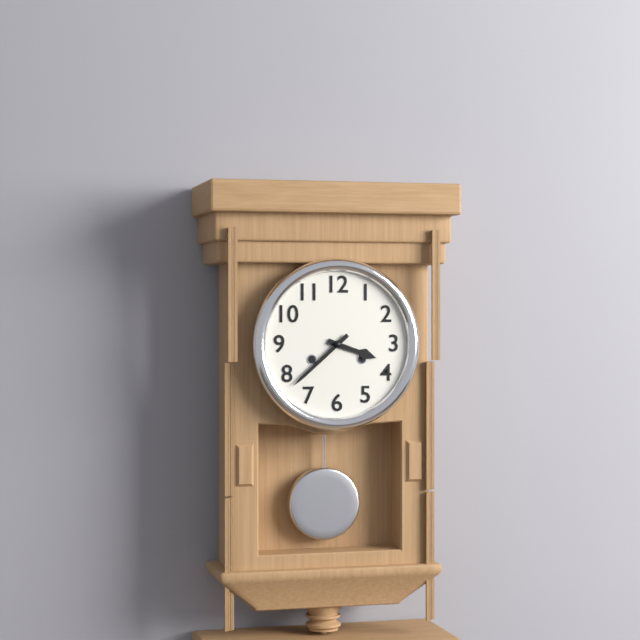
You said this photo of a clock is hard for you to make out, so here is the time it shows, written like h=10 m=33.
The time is h=3 m=38
